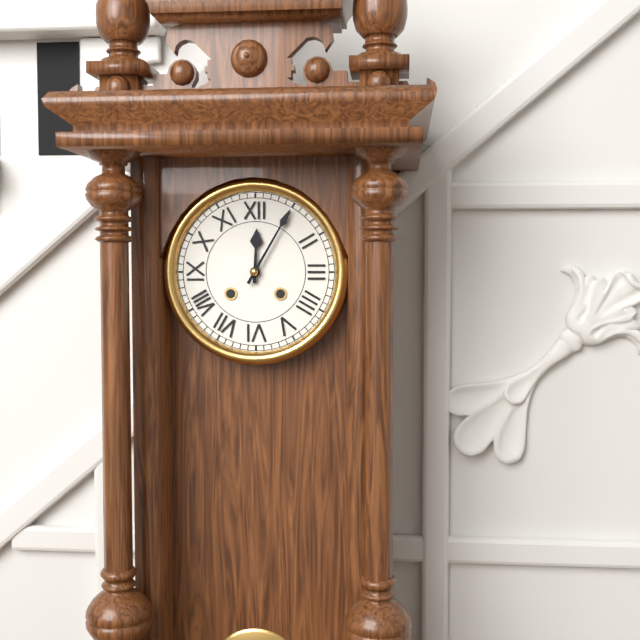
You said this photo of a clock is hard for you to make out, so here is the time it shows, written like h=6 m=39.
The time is h=12 m=5
